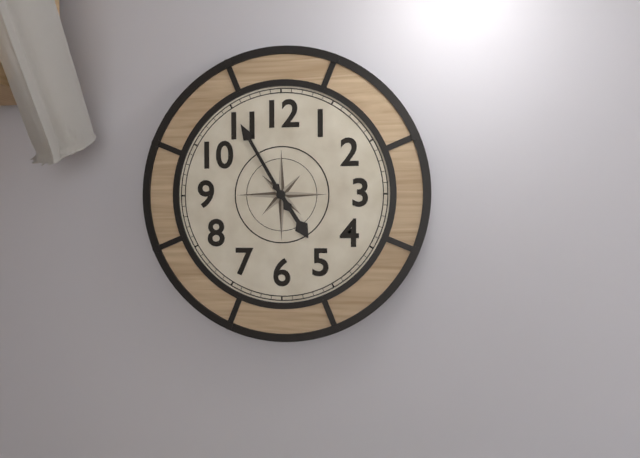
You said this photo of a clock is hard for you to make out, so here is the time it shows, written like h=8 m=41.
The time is h=4 m=55
